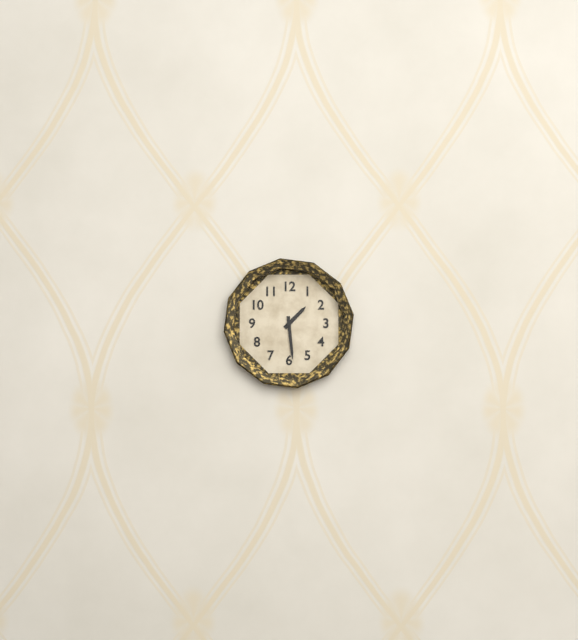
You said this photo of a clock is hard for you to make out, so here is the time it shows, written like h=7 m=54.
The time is h=1 m=29
